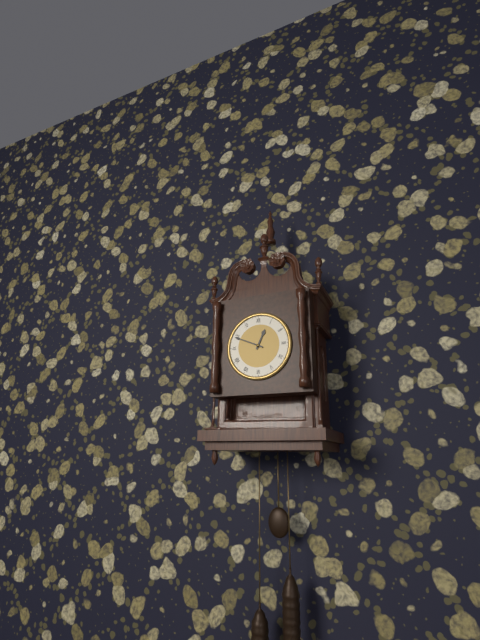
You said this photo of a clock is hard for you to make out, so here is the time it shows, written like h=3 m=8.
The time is h=12 m=49
